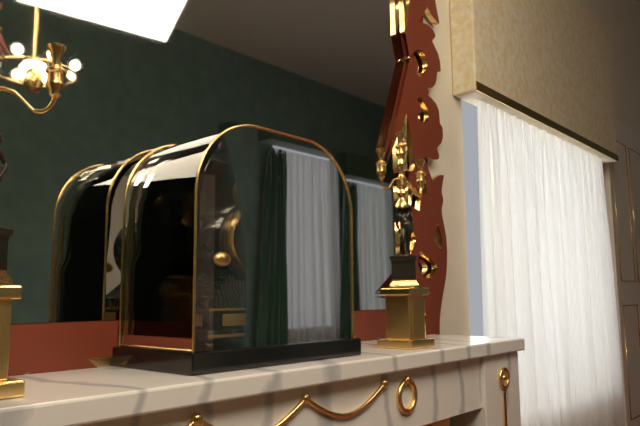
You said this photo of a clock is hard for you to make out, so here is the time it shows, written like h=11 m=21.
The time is h=5 m=3
